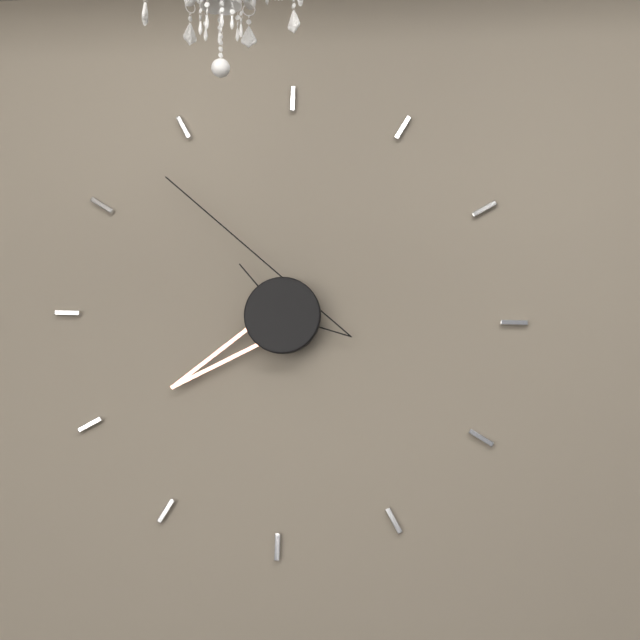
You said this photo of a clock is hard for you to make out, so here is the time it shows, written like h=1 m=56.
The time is h=7 m=53
